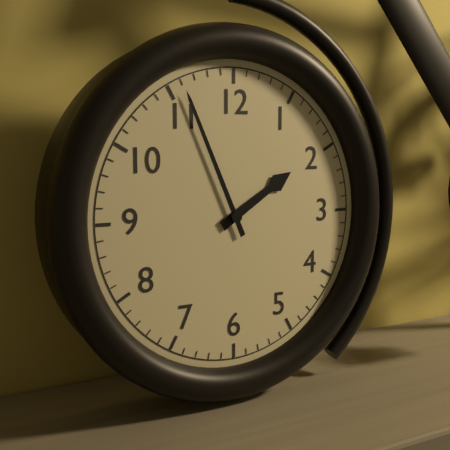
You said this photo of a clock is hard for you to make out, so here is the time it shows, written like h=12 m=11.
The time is h=1 m=56
